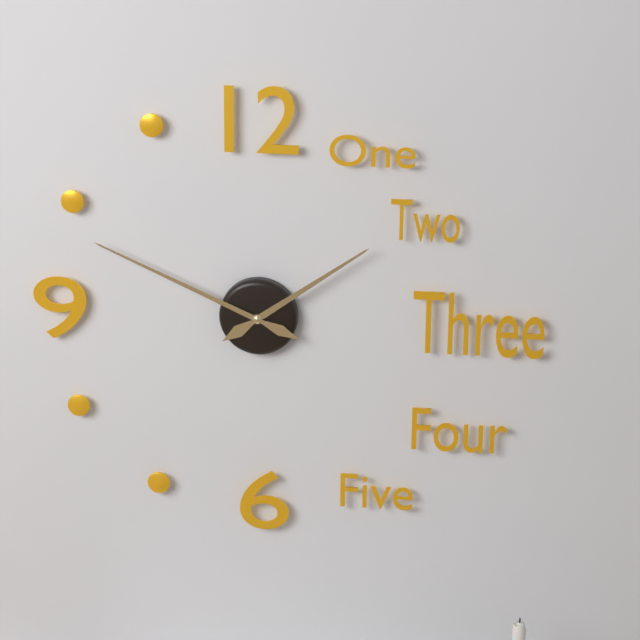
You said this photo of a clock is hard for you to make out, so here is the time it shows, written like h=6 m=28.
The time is h=1 m=49
